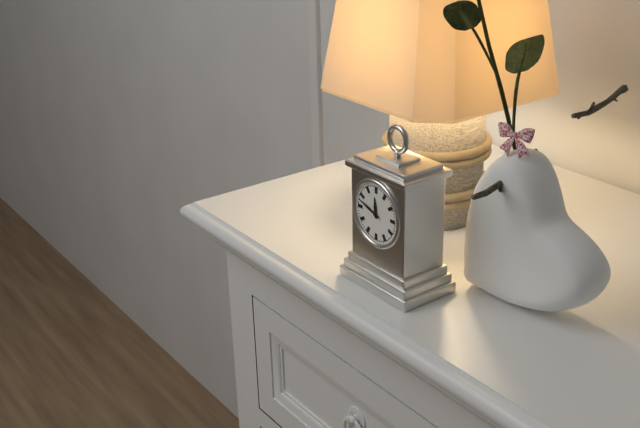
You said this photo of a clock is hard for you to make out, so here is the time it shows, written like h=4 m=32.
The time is h=11 m=48
